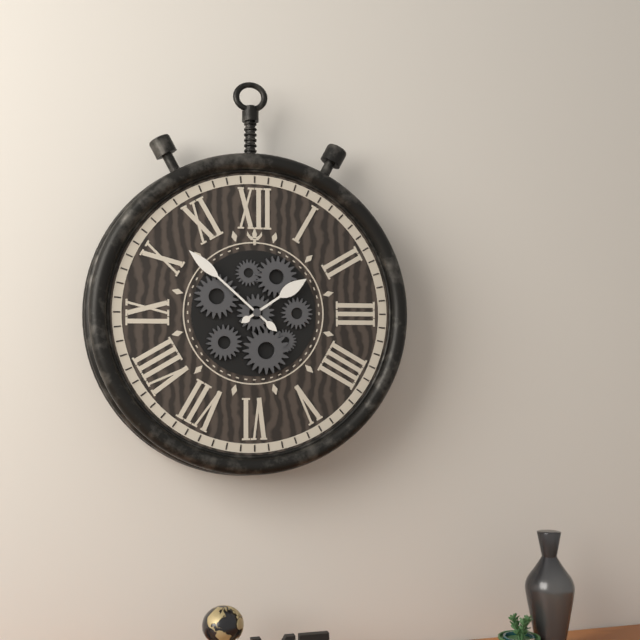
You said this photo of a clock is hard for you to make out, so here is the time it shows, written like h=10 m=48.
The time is h=1 m=52
